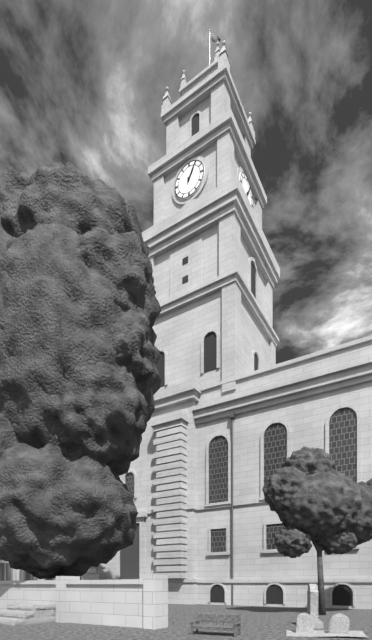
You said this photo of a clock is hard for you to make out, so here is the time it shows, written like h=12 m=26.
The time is h=1 m=5
